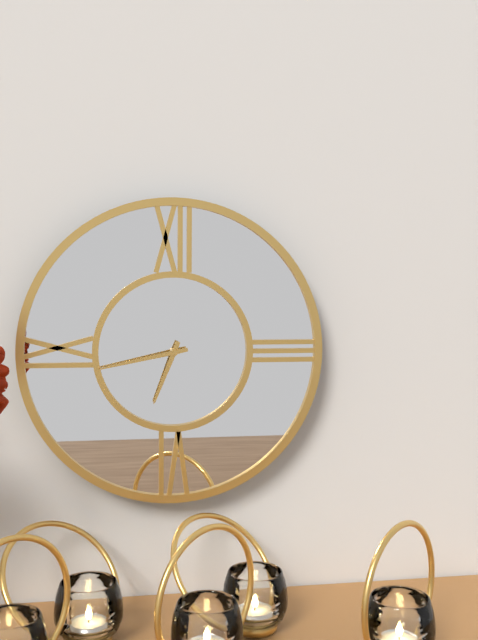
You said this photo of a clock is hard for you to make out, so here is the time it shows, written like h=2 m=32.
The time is h=6 m=43
